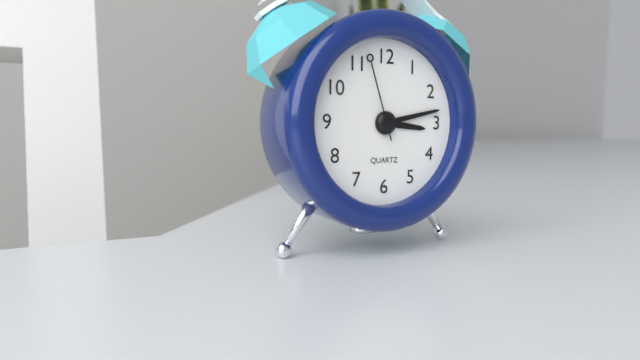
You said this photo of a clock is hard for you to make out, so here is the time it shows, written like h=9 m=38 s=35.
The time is h=3 m=13 s=57
